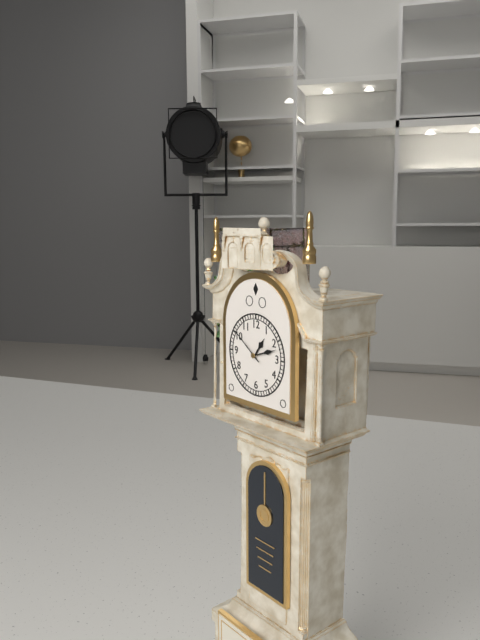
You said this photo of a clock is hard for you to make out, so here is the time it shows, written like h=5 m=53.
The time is h=1 m=12
